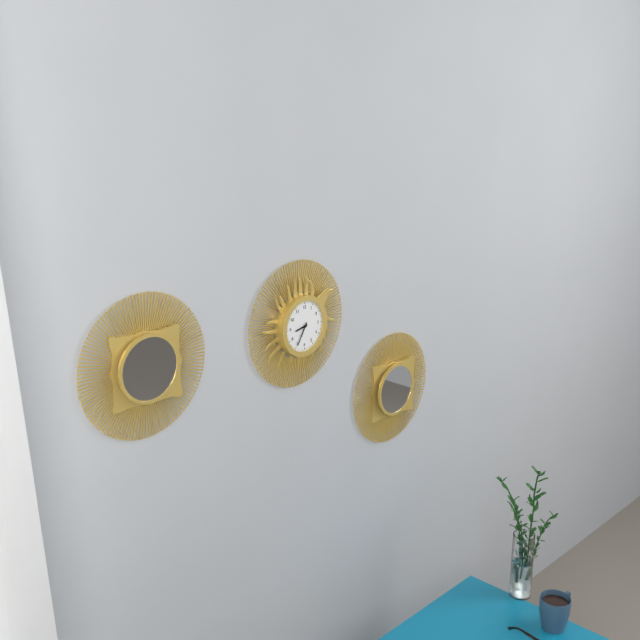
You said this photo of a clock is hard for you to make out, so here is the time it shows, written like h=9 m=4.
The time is h=8 m=35
